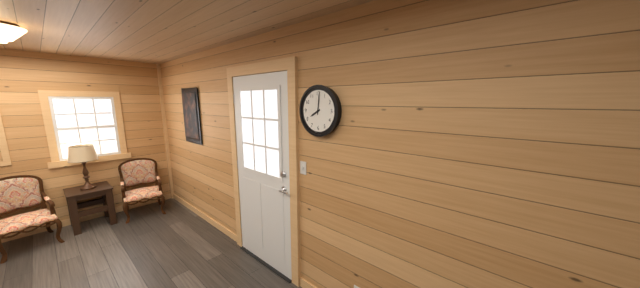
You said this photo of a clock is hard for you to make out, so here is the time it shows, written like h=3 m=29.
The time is h=8 m=1
